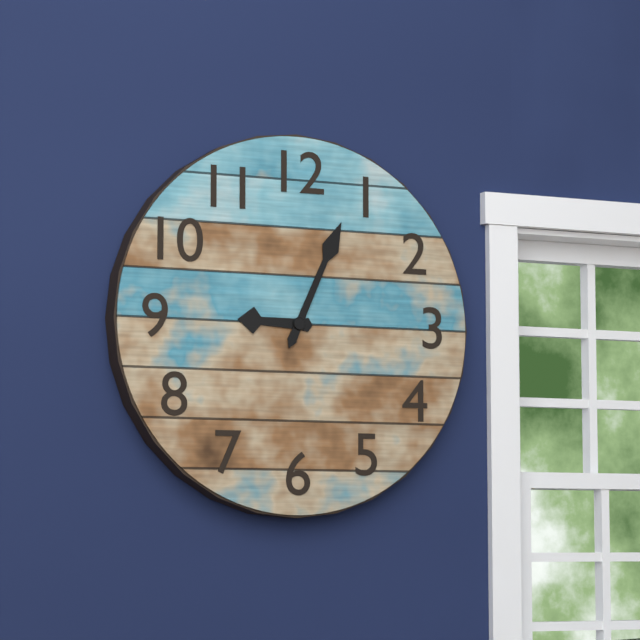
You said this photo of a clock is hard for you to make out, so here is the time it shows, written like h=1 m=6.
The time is h=9 m=4
